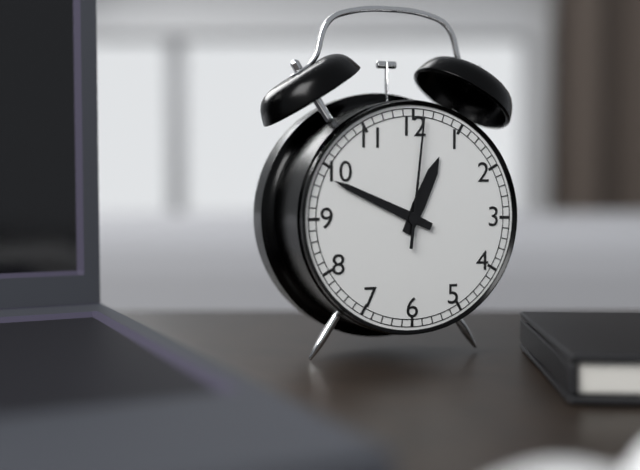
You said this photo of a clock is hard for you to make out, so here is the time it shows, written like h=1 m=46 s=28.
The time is h=12 m=49 s=1
